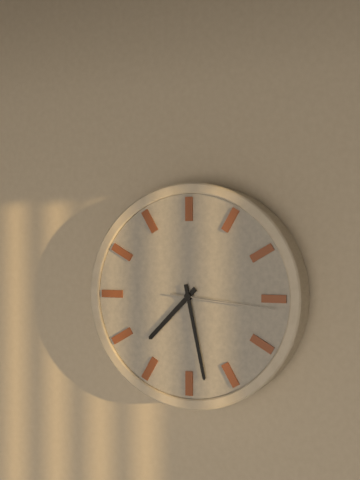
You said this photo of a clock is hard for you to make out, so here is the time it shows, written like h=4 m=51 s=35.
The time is h=7 m=28 s=16
